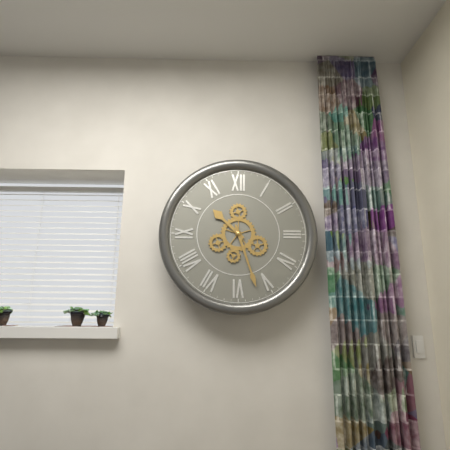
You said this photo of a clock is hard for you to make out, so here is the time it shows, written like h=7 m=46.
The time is h=10 m=27
